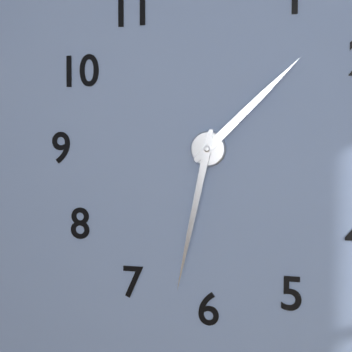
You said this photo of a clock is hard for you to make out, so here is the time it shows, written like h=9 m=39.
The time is h=1 m=32
